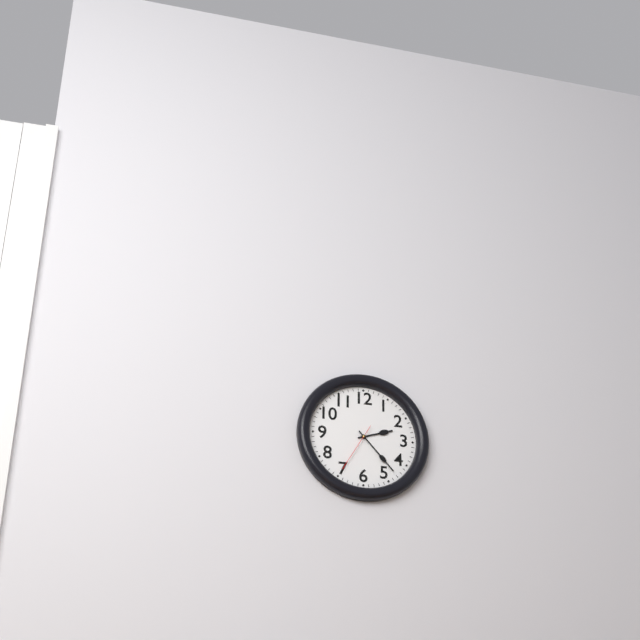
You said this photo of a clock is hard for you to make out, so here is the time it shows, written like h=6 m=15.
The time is h=2 m=23
